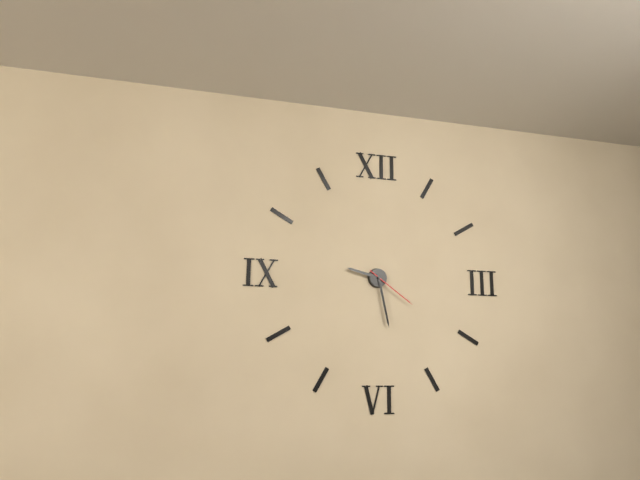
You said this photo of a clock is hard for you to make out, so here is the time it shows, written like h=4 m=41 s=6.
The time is h=9 m=28 s=21
